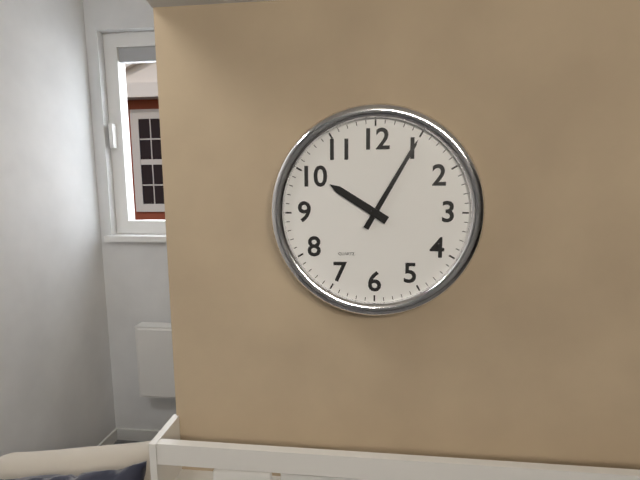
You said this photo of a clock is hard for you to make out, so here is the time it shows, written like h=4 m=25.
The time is h=10 m=5
